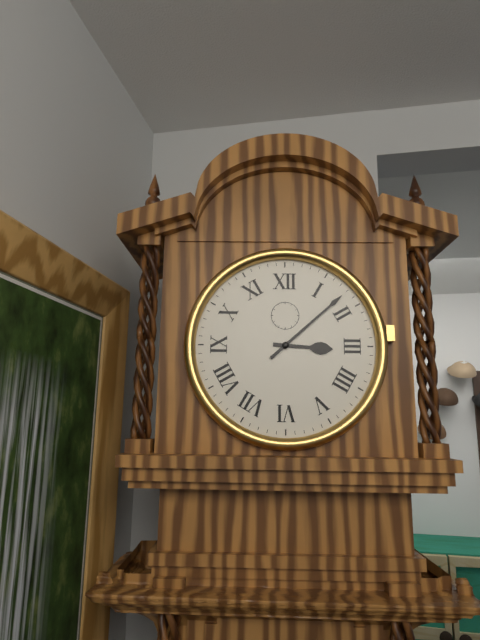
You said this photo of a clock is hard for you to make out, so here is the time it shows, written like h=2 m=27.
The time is h=3 m=8
